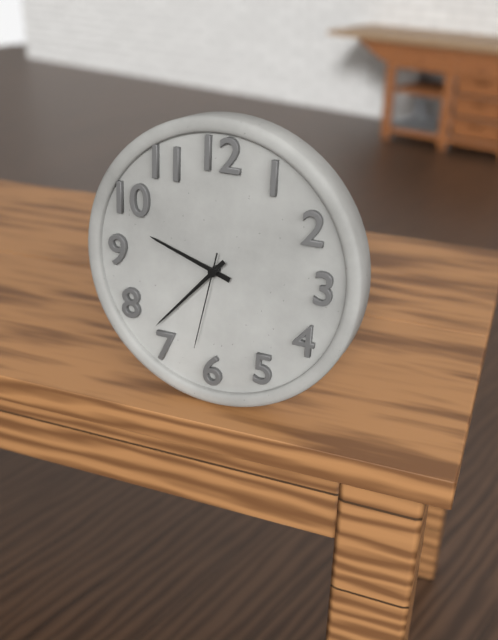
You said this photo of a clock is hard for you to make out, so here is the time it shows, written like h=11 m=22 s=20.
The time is h=9 m=37 s=32
